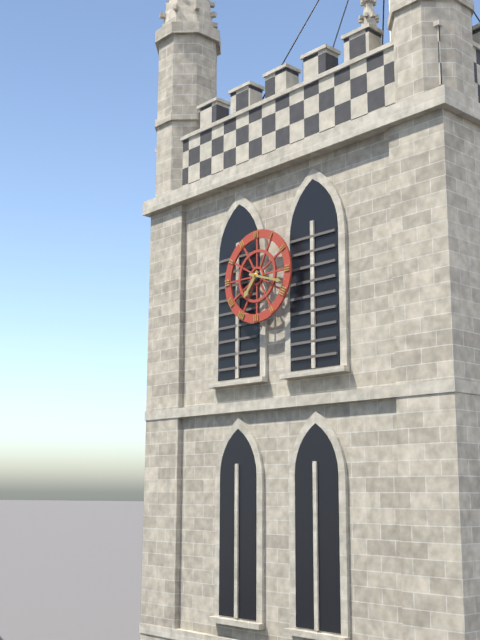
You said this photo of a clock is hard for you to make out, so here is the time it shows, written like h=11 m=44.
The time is h=7 m=18
